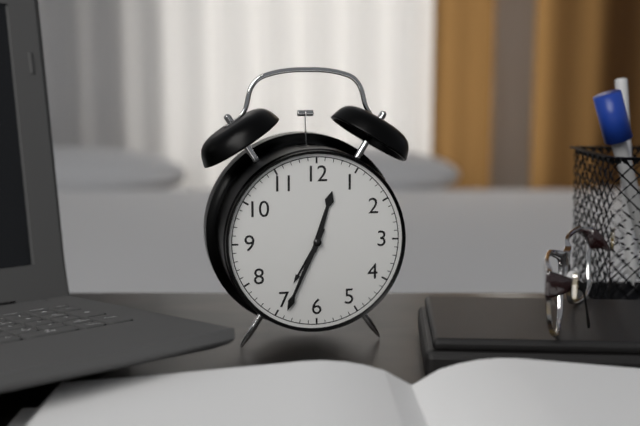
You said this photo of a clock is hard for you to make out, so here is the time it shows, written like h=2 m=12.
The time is h=12 m=34
